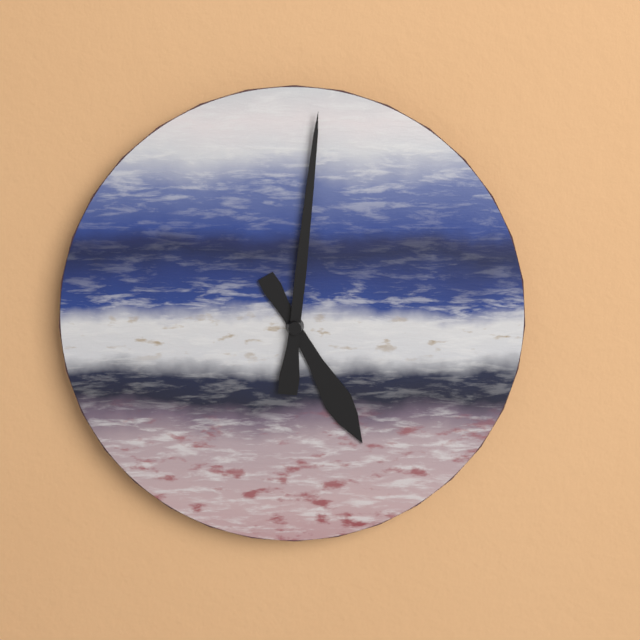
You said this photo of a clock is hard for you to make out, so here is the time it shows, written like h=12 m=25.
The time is h=5 m=1
